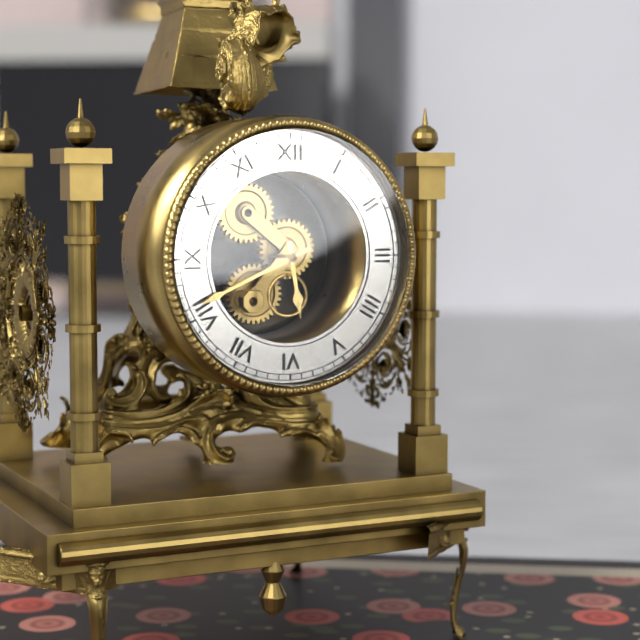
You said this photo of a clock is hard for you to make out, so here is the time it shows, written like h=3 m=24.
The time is h=5 m=41
